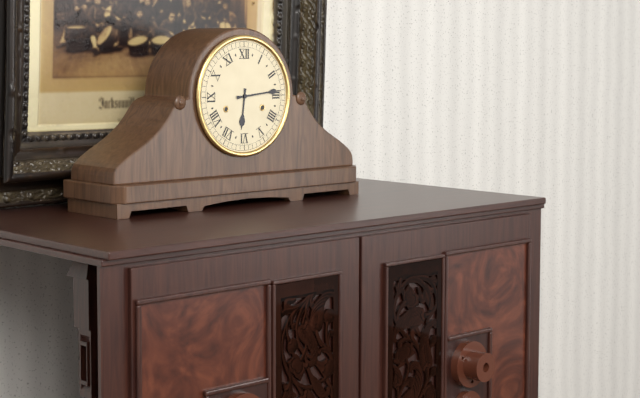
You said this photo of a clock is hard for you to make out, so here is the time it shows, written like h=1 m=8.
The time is h=6 m=14
